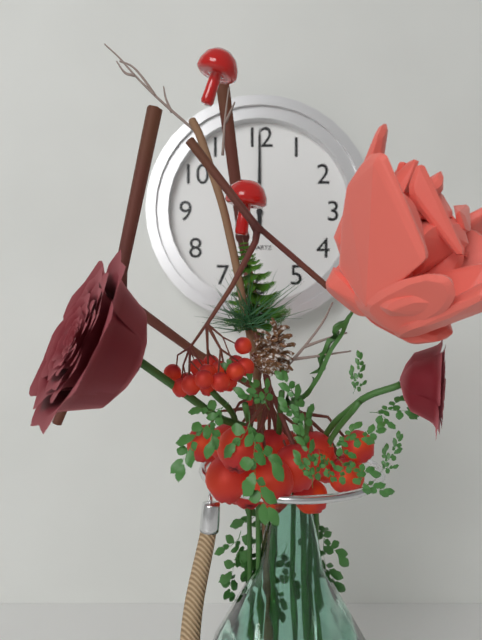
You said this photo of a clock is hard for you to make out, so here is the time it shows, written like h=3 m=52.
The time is h=12 m=0
